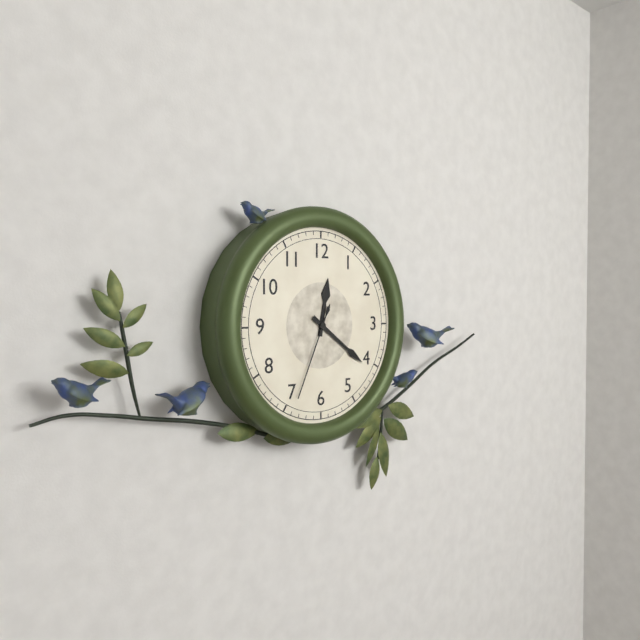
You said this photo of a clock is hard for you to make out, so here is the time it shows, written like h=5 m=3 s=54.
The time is h=12 m=21 s=34
